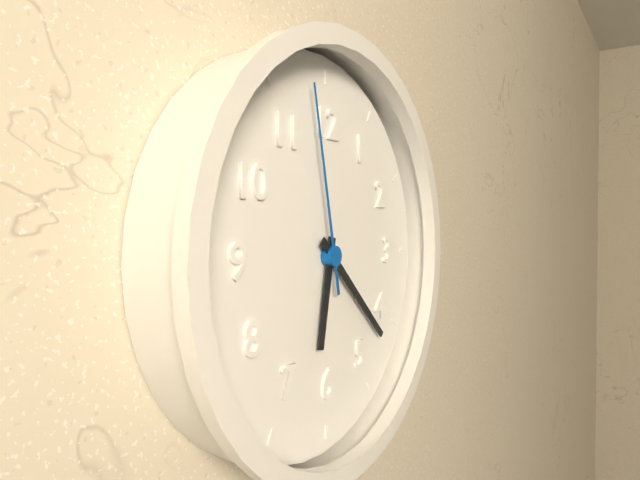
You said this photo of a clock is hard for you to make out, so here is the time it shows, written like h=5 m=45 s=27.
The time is h=6 m=22 s=58
